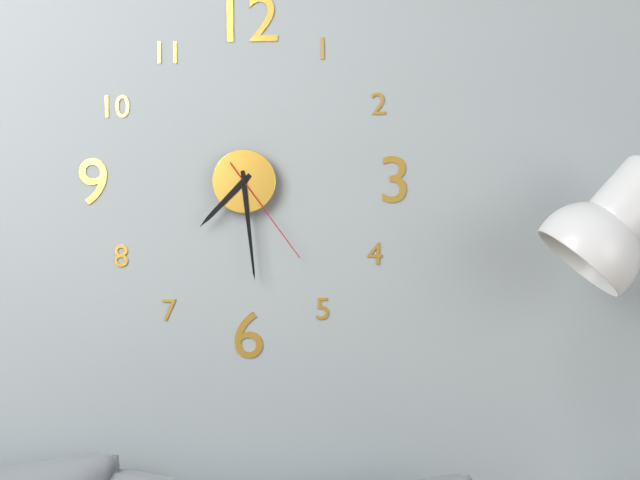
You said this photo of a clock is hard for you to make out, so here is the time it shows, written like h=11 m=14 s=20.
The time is h=7 m=29 s=24
